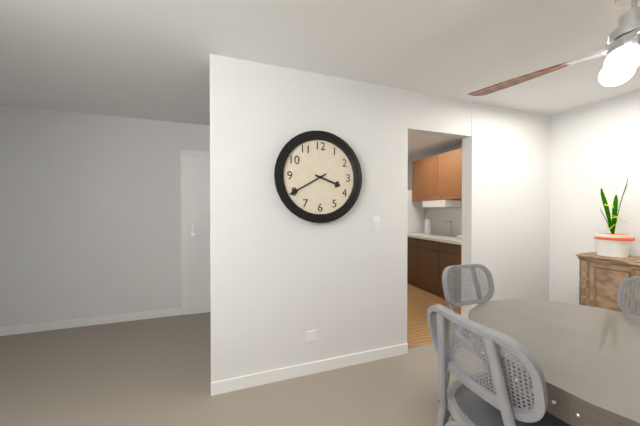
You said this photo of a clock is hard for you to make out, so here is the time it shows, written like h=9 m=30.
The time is h=3 m=40
